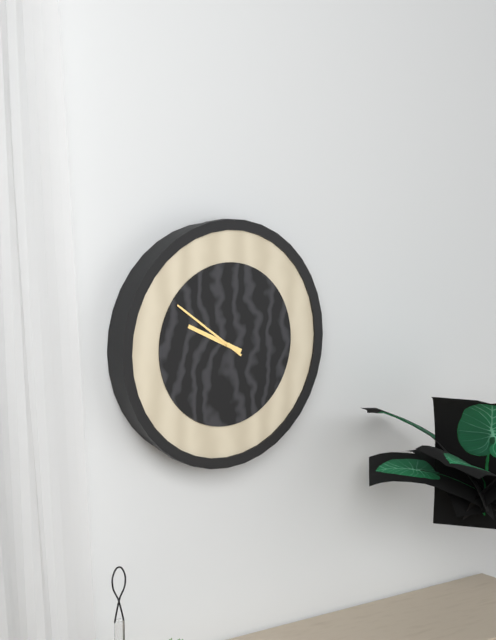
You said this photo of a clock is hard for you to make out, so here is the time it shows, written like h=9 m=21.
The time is h=9 m=51
